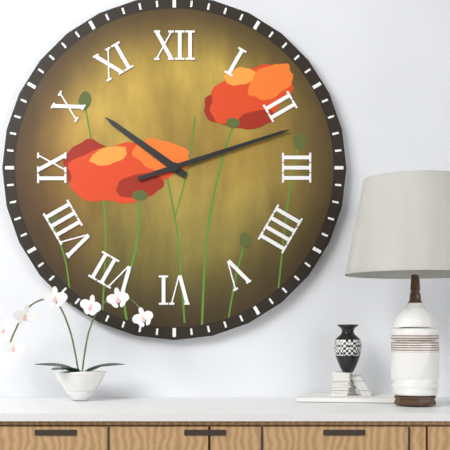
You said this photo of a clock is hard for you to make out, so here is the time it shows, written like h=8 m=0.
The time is h=10 m=12
